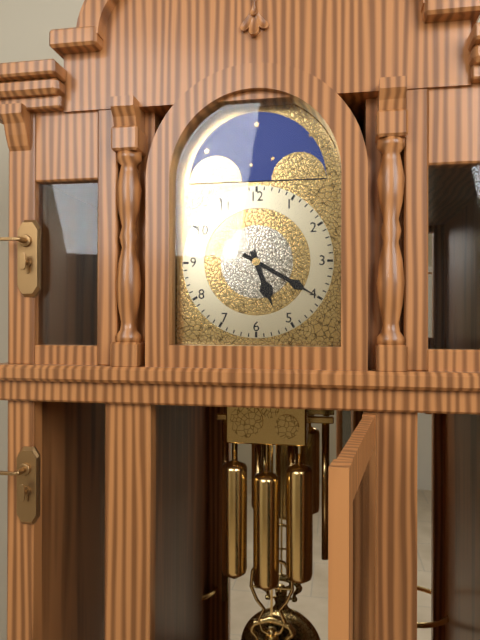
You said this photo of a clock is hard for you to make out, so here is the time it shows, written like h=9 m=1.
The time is h=5 m=20
